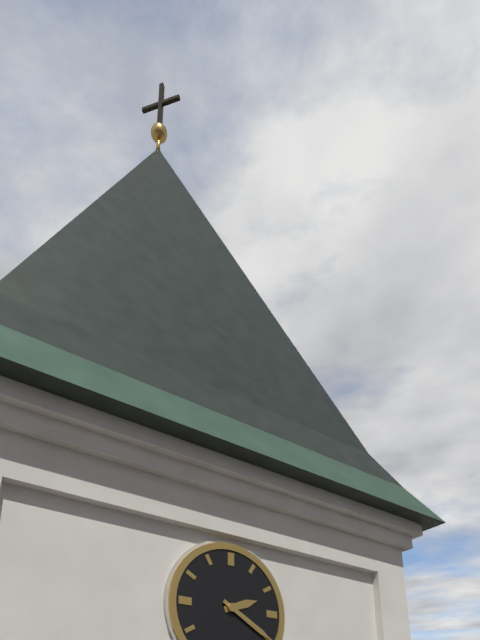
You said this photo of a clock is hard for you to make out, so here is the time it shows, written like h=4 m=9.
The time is h=2 m=20
